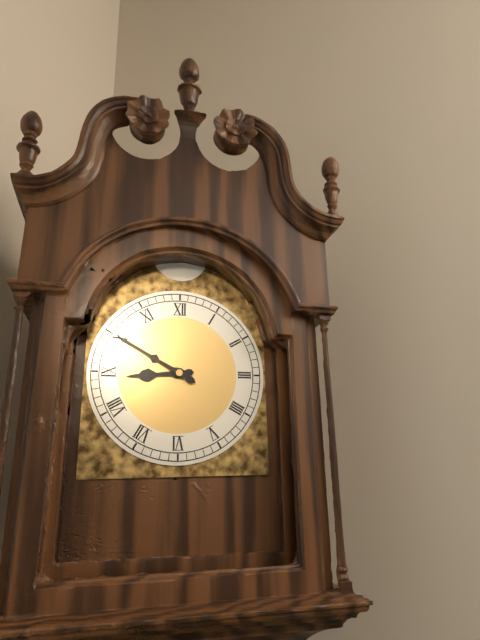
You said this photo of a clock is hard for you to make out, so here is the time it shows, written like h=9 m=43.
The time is h=8 m=50
